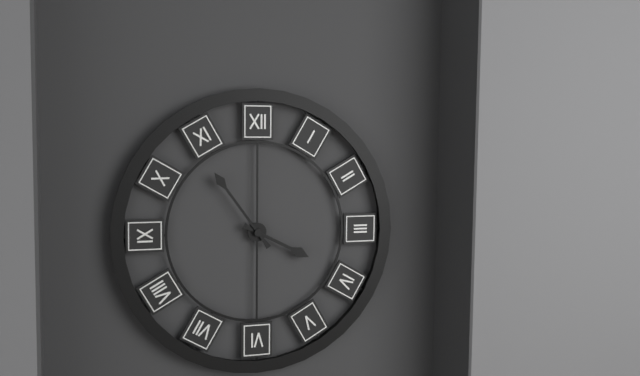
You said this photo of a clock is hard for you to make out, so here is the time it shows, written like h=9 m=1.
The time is h=3 m=54
